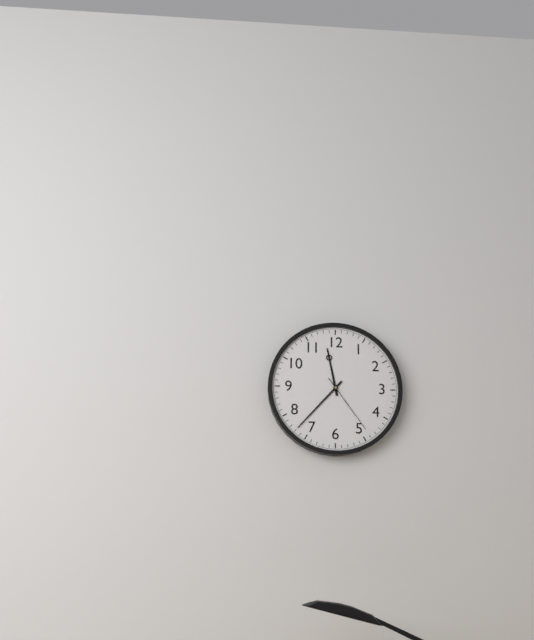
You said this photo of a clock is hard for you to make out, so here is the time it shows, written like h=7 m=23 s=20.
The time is h=11 m=37 s=24
